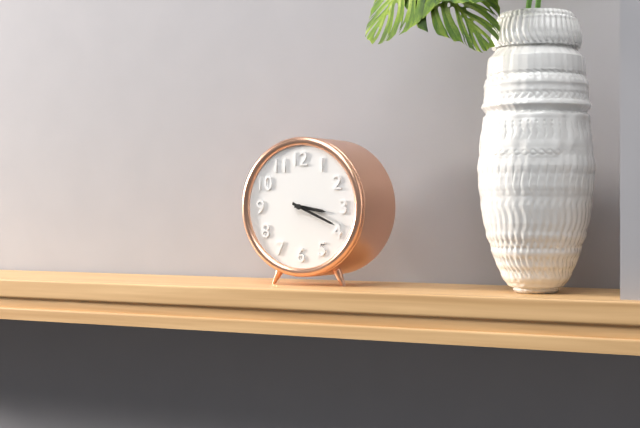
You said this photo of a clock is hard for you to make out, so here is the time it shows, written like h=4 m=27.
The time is h=3 m=19
